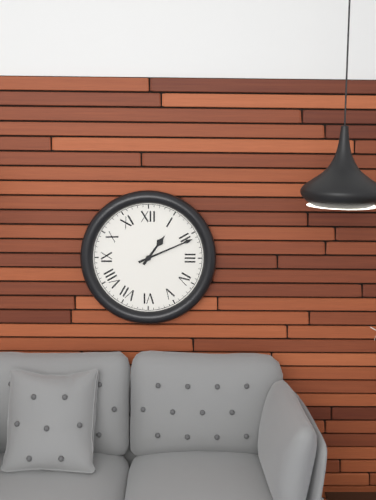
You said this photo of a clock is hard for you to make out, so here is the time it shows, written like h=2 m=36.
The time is h=1 m=11
